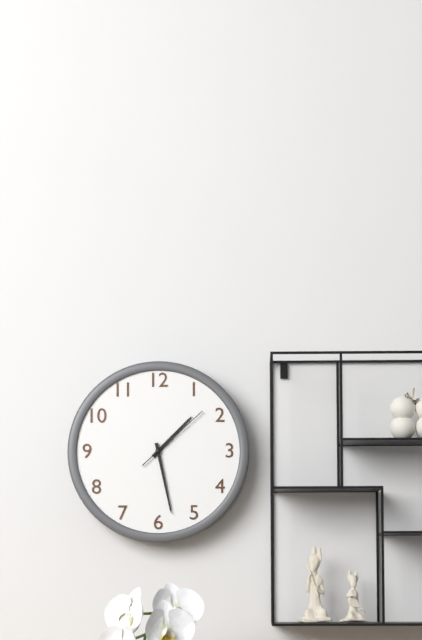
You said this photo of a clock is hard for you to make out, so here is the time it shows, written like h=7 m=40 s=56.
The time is h=1 m=28 s=8
